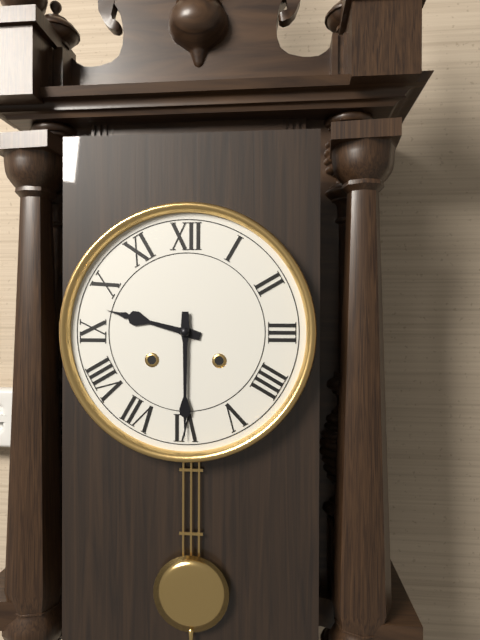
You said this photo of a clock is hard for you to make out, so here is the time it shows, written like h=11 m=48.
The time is h=9 m=30
